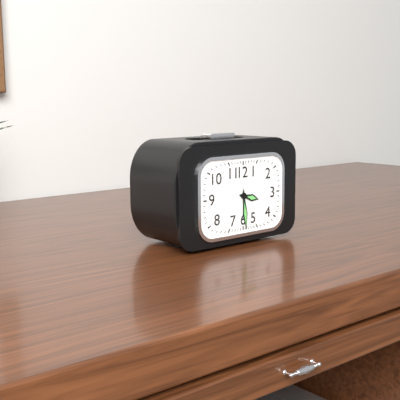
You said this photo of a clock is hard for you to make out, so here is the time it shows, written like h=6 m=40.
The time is h=3 m=29
